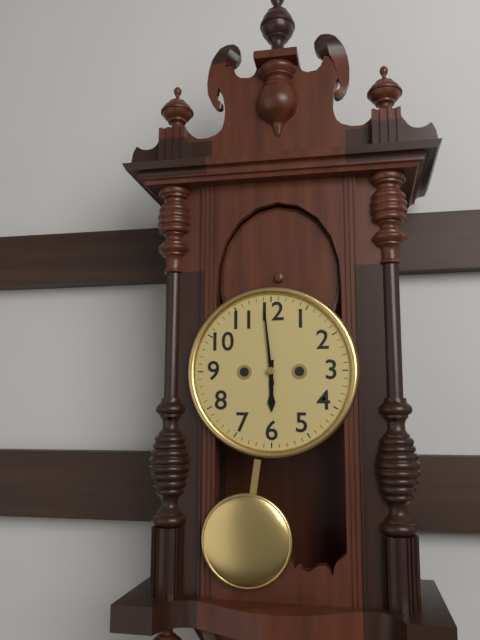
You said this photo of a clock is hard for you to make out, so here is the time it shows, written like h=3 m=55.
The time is h=5 m=59
